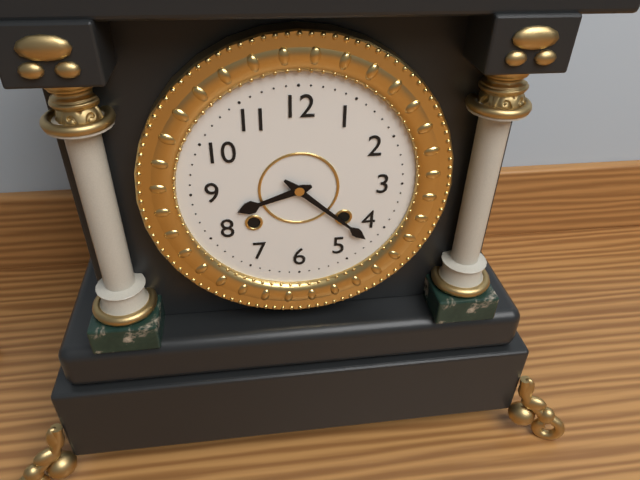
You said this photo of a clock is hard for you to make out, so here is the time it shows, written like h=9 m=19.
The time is h=8 m=22
